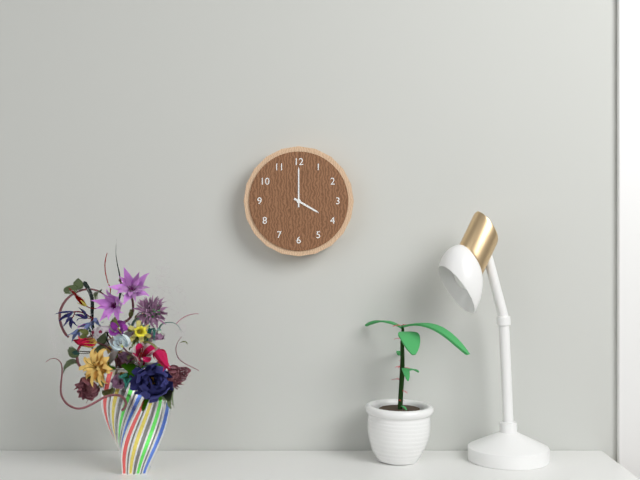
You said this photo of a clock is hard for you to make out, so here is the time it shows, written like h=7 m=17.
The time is h=4 m=0
